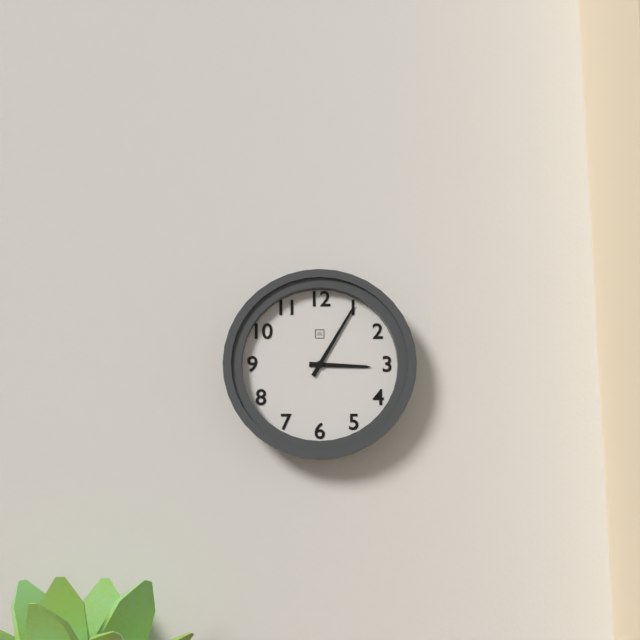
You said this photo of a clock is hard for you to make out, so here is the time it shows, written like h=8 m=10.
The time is h=3 m=5
